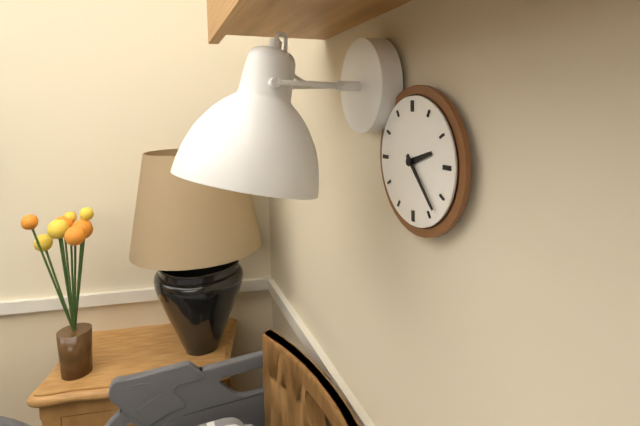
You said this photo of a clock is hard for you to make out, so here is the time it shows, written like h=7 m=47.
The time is h=2 m=23
